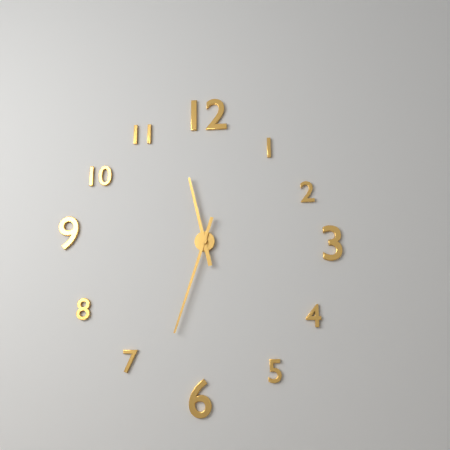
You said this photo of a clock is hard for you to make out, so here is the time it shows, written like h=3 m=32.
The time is h=11 m=33
